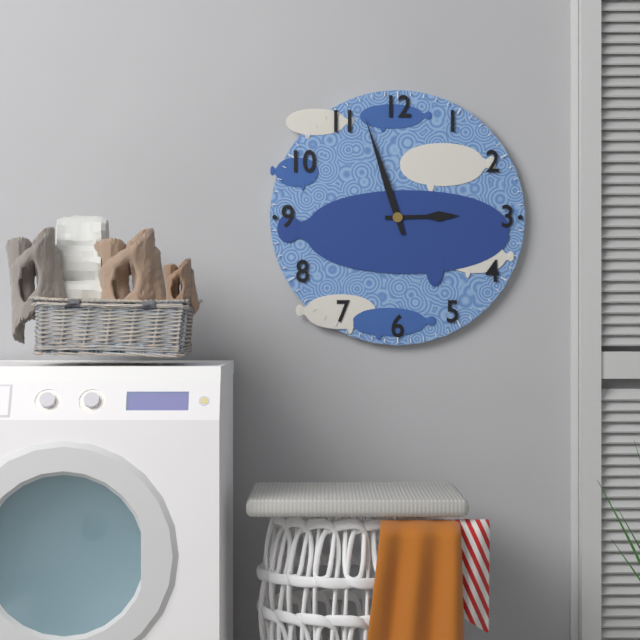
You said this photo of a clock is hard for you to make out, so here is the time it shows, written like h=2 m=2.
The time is h=2 m=57
